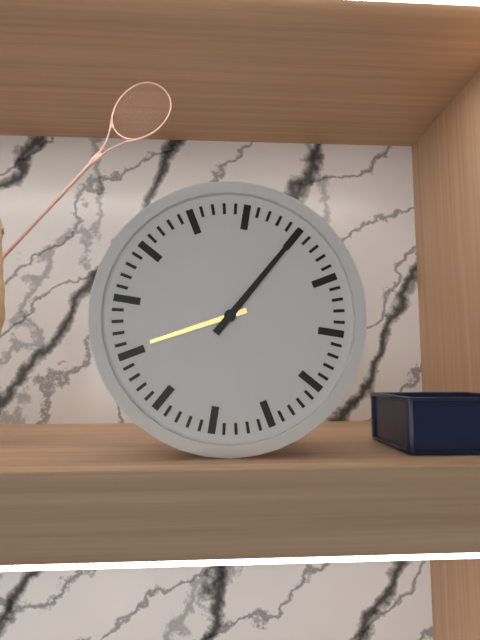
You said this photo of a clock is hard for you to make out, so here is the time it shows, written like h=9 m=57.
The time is h=8 m=5
